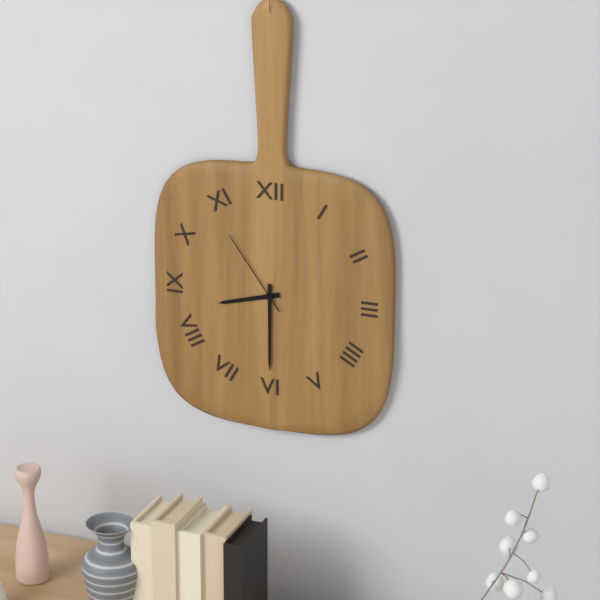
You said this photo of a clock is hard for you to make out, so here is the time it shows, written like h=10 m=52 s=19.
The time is h=8 m=30 s=54
